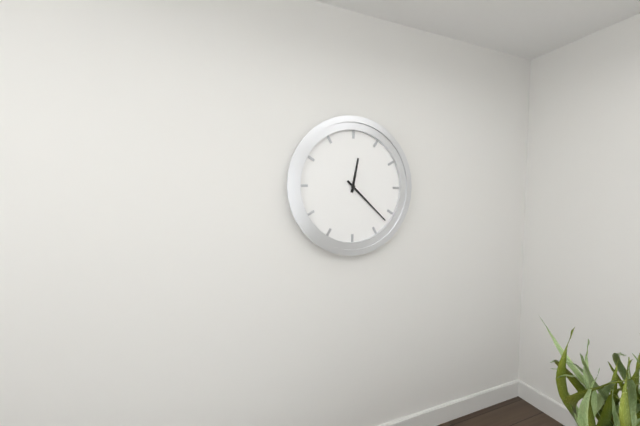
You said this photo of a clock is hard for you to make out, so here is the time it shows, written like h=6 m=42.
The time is h=12 m=22
